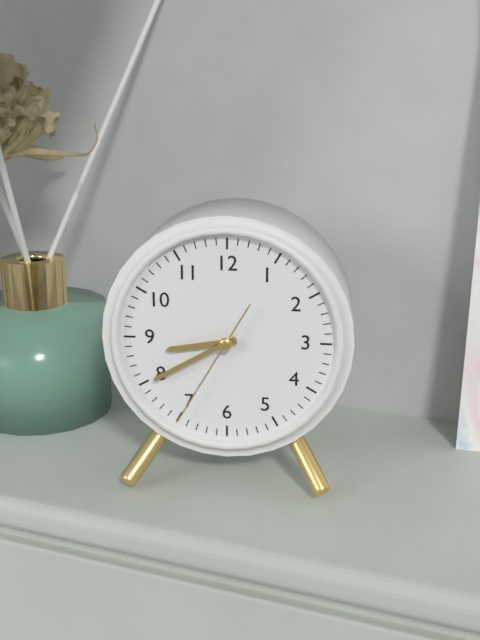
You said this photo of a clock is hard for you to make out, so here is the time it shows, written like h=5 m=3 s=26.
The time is h=8 m=40 s=35
